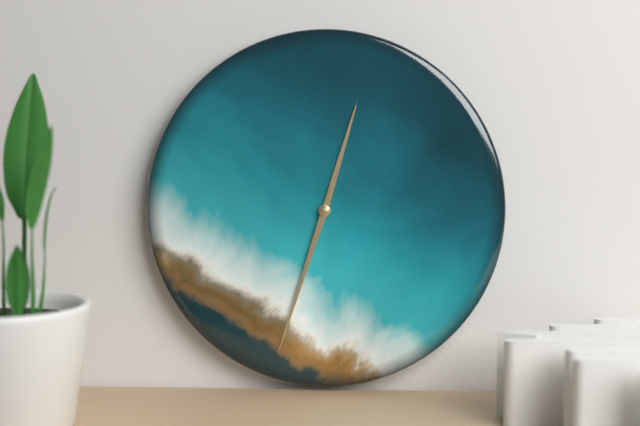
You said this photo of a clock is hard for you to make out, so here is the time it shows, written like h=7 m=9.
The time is h=12 m=33
